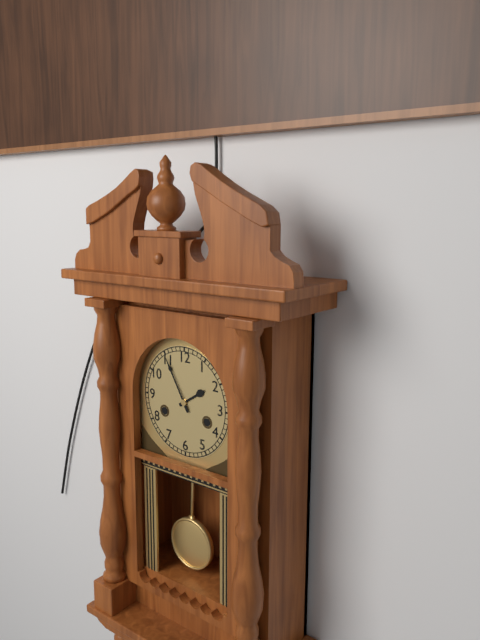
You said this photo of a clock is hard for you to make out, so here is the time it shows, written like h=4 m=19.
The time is h=1 m=55
